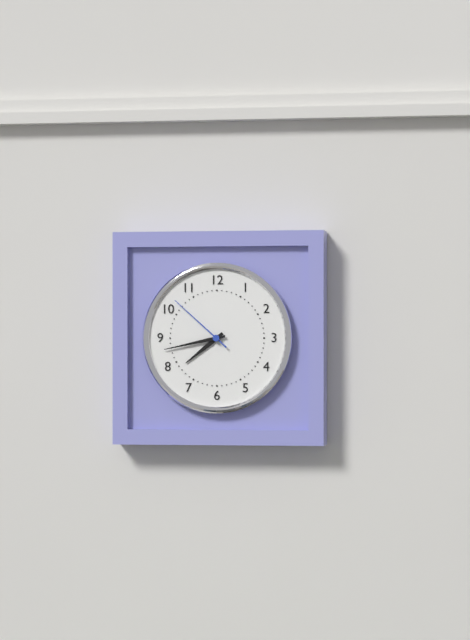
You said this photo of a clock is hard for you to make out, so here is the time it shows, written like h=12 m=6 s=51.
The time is h=7 m=43 s=52
